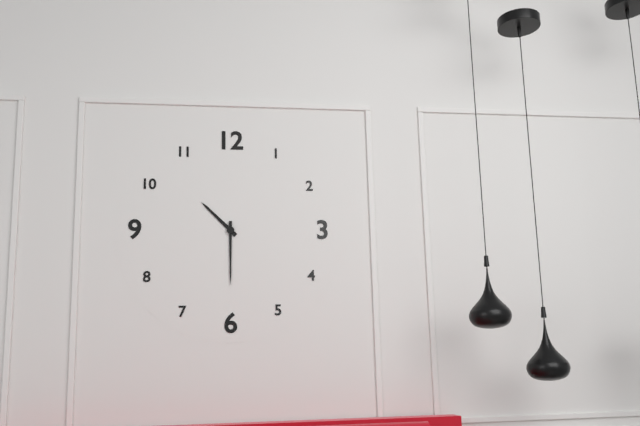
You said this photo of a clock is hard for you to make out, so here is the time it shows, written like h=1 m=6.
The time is h=10 m=30
